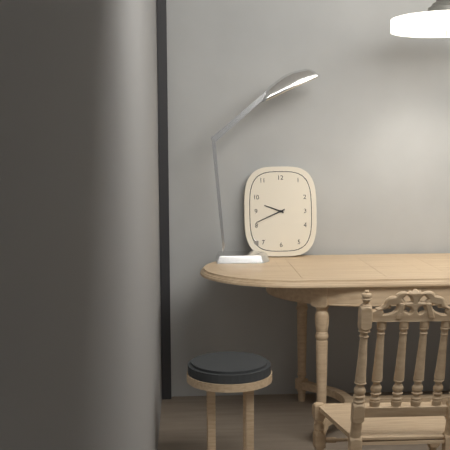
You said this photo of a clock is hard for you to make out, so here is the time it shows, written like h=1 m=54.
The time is h=9 m=41
